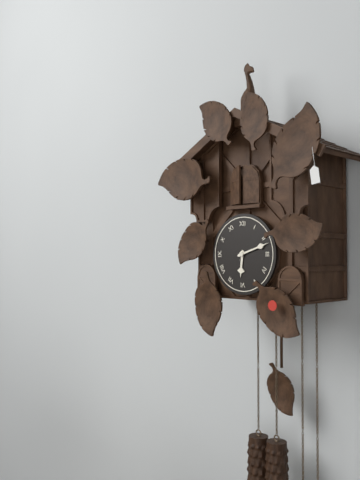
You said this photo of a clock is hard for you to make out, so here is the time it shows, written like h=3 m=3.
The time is h=6 m=12
